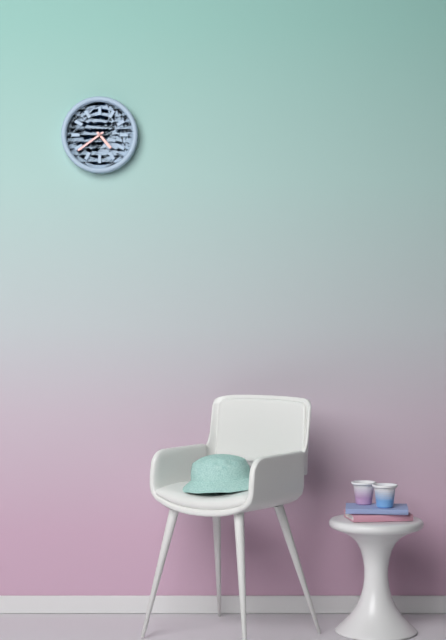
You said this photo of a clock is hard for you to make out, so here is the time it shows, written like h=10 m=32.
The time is h=4 m=39
